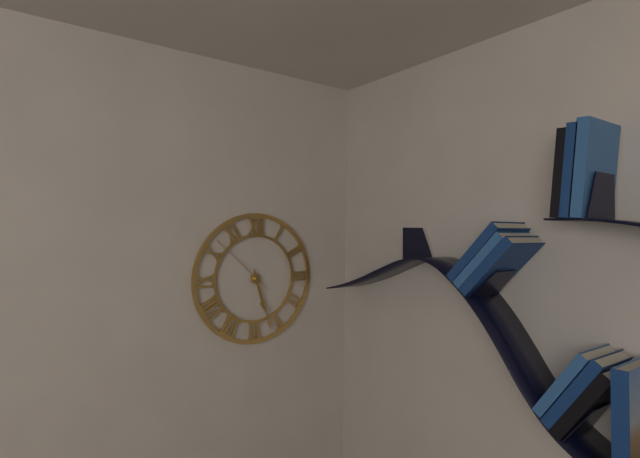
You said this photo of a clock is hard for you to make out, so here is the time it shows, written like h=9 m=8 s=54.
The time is h=5 m=27 s=52
